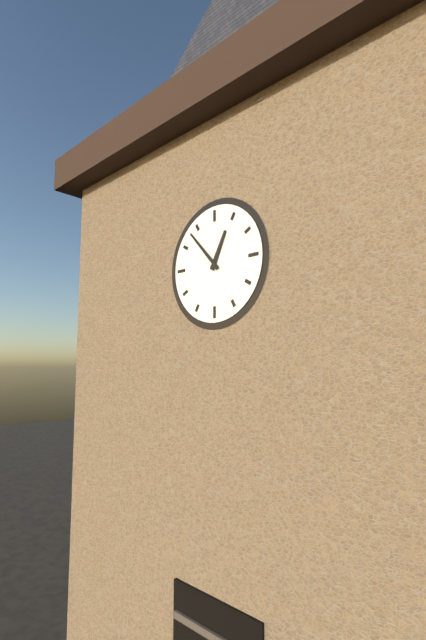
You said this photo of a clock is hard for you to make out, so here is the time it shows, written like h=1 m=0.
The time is h=12 m=53
